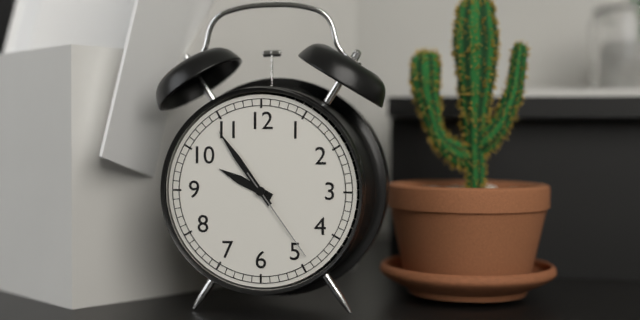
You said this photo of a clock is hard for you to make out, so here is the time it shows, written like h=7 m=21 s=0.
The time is h=9 m=54 s=24
